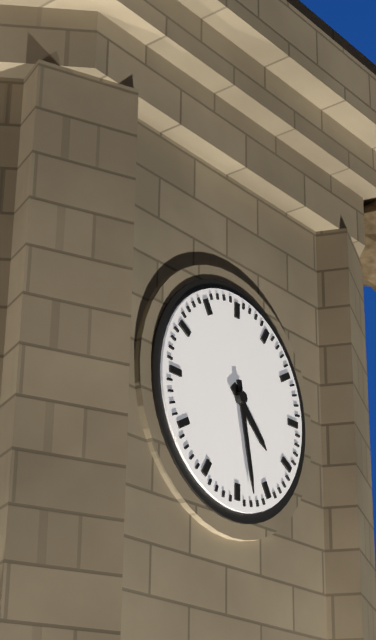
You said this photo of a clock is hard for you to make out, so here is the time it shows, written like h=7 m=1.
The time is h=4 m=28
